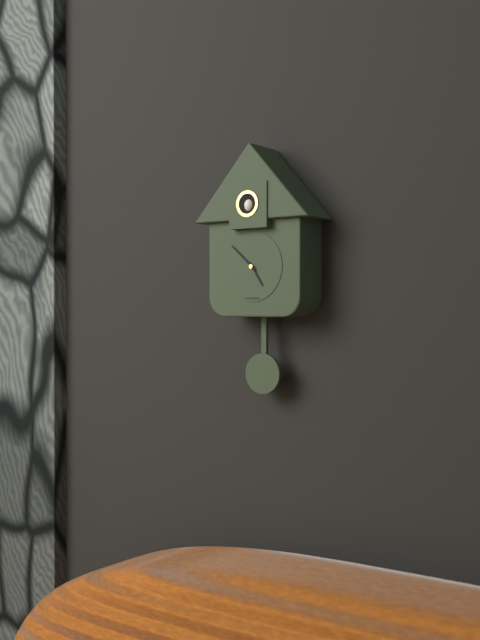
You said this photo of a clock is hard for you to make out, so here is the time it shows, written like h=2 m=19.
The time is h=4 m=52
